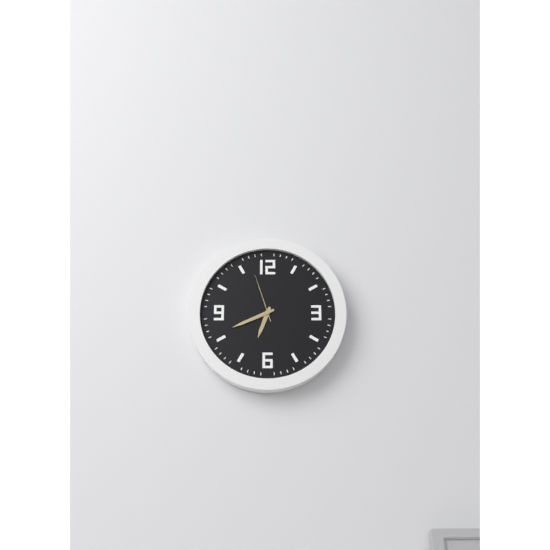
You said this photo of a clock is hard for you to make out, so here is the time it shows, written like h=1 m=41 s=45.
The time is h=6 m=41 s=57
